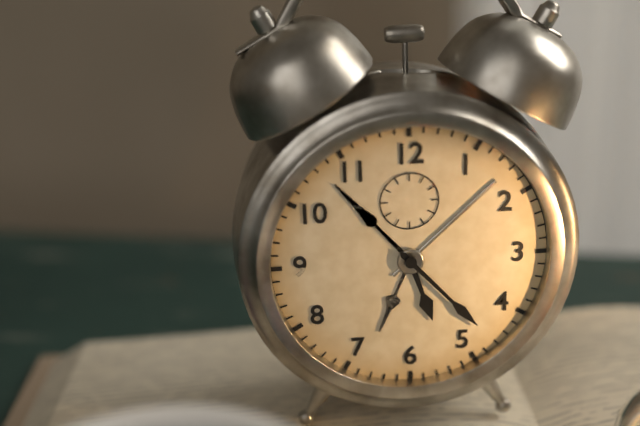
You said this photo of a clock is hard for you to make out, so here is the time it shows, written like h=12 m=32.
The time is h=5 m=23
